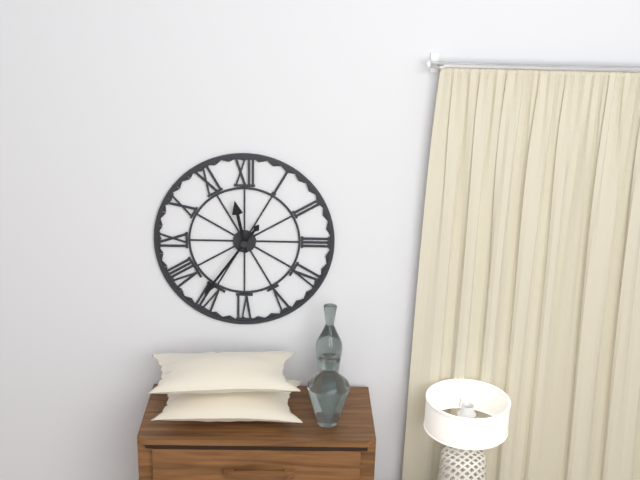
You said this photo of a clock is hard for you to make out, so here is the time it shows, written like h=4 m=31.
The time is h=11 m=36
